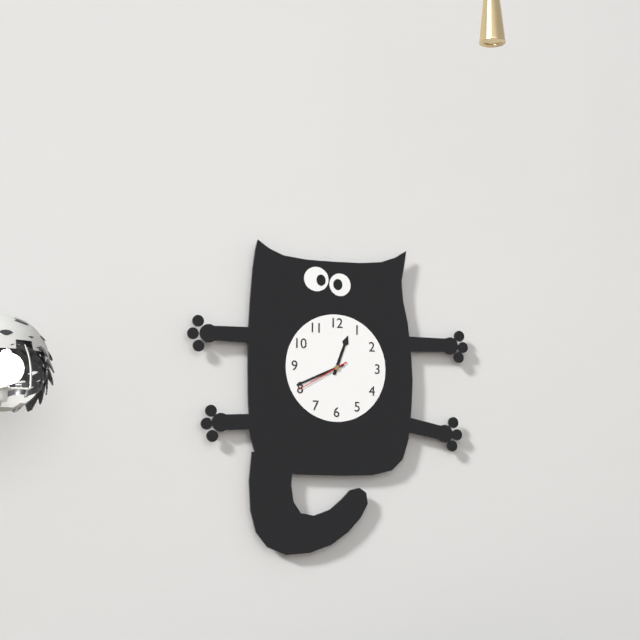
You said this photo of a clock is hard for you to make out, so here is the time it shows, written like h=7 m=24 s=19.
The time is h=12 m=41 s=40
